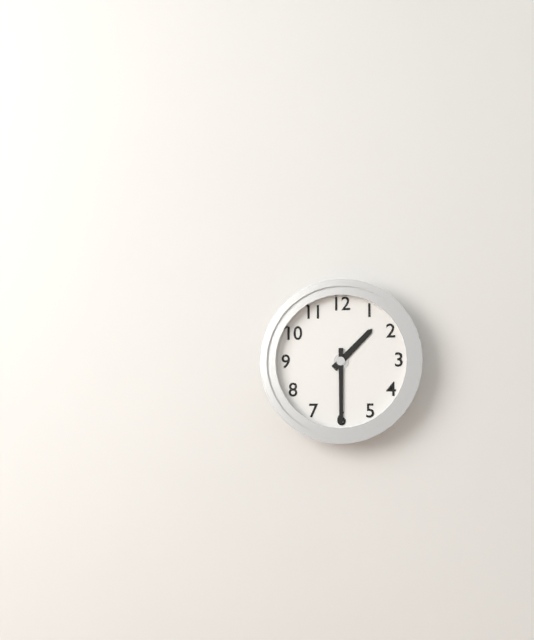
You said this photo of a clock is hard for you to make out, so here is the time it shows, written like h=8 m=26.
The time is h=1 m=30
